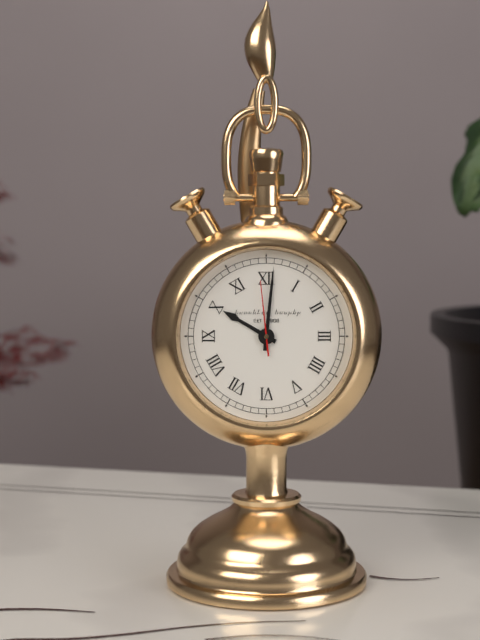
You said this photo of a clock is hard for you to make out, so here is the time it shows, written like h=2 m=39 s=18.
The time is h=10 m=1 s=59
